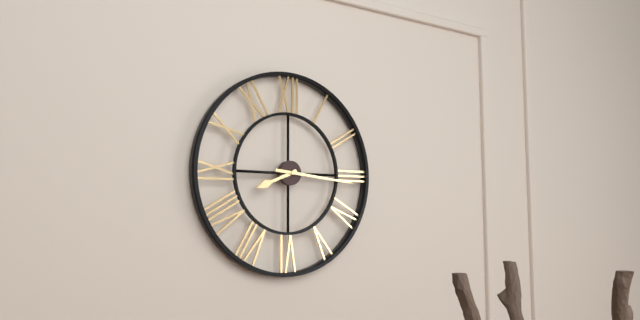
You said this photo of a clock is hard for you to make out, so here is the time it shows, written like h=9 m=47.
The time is h=8 m=16
